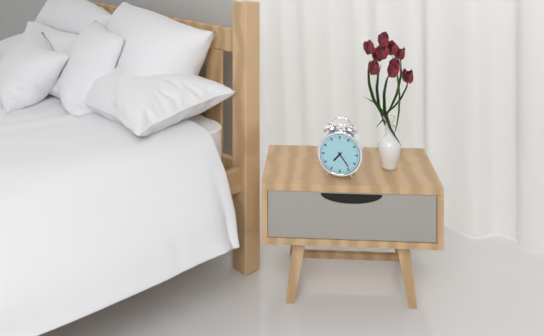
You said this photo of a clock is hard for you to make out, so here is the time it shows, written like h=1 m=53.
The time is h=7 m=24
